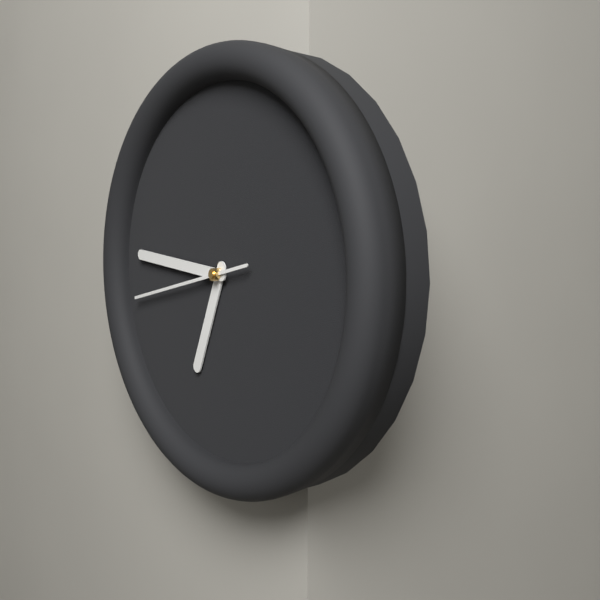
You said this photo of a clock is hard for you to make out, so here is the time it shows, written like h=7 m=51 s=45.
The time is h=6 m=46 s=43
